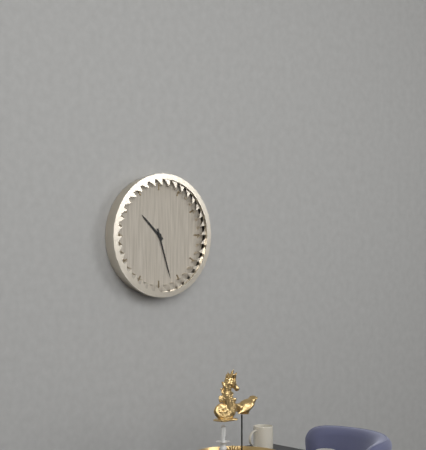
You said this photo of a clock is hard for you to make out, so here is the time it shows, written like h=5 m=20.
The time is h=10 m=27
